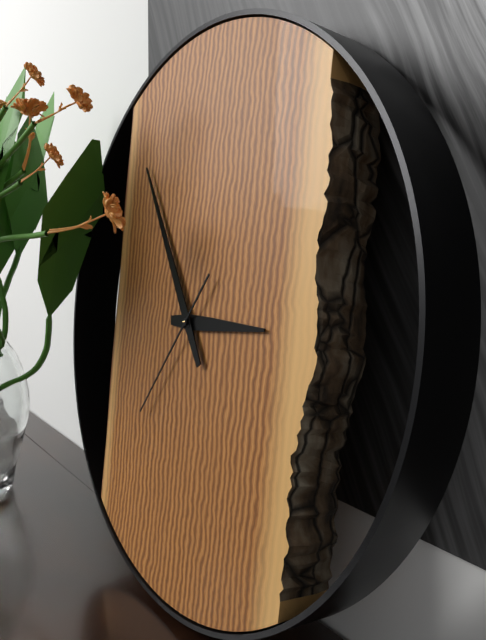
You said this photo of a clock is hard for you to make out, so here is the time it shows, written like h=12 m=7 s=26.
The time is h=2 m=54 s=36
